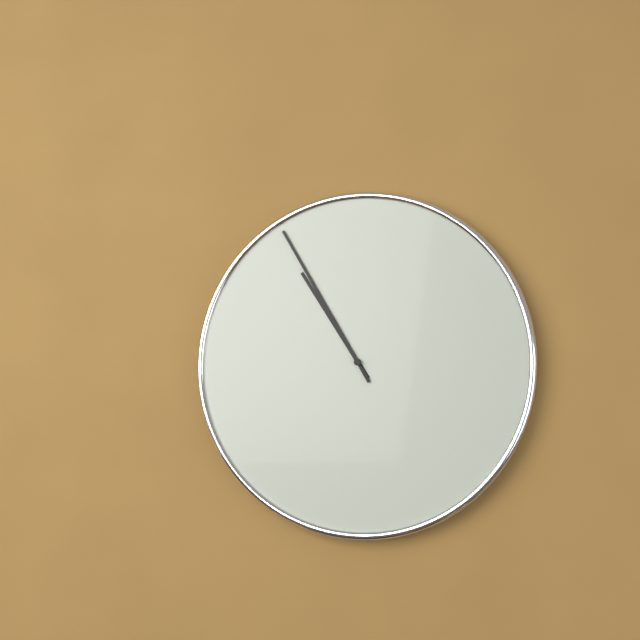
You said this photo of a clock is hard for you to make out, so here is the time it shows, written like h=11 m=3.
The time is h=10 m=55
